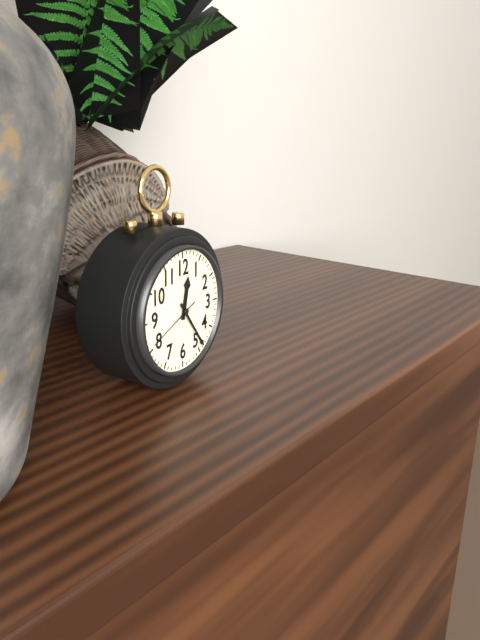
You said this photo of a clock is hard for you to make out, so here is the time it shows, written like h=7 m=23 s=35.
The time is h=12 m=24 s=41
